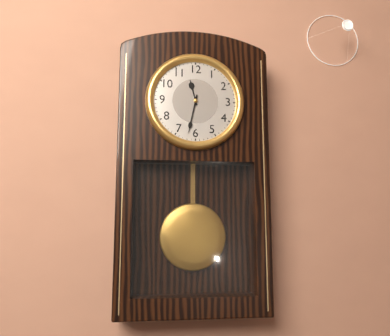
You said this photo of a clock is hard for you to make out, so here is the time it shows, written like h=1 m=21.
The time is h=11 m=32
